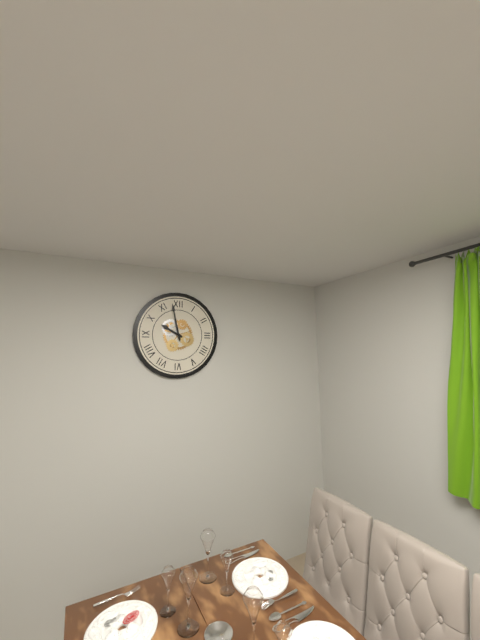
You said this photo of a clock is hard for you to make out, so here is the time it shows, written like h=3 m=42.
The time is h=9 m=58
